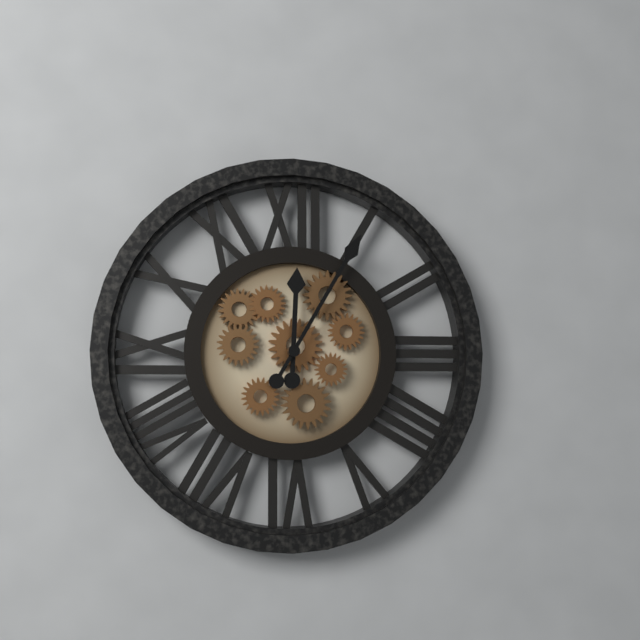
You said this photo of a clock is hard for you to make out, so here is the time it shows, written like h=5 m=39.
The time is h=12 m=5
